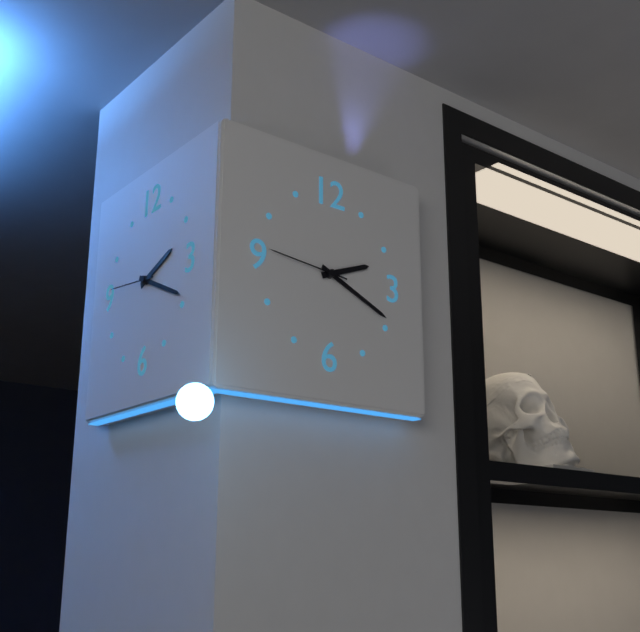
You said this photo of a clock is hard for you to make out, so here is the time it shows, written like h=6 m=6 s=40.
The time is h=2 m=19 s=46
